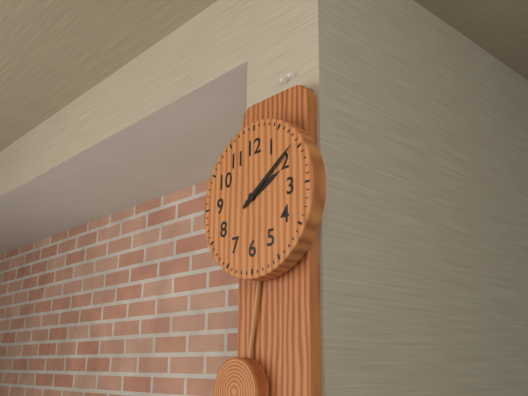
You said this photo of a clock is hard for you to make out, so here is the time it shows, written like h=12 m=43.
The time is h=2 m=9
